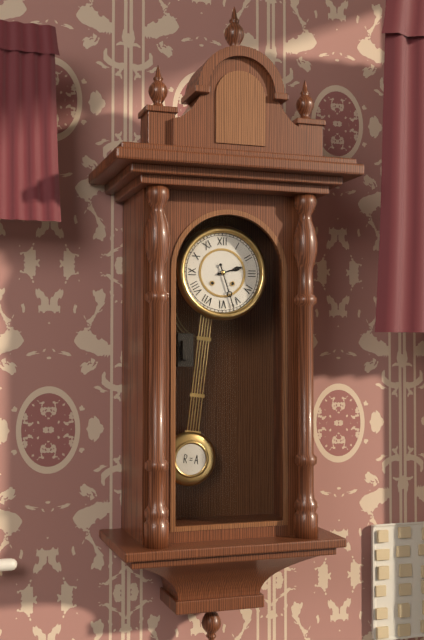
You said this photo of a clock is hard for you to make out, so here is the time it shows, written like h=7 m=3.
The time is h=2 m=27
